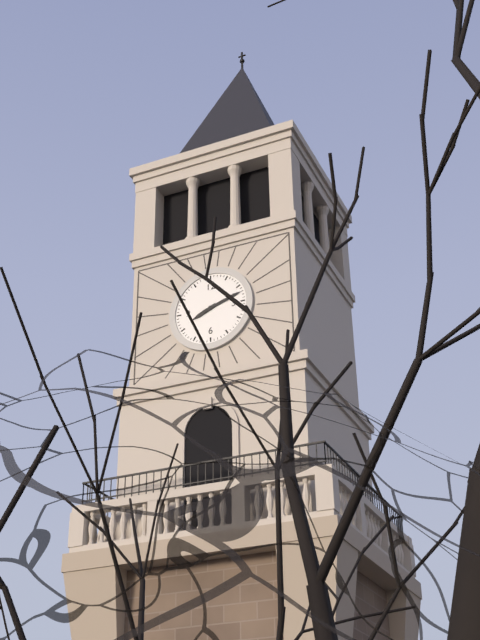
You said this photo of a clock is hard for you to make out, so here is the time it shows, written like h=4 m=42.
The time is h=8 m=12
